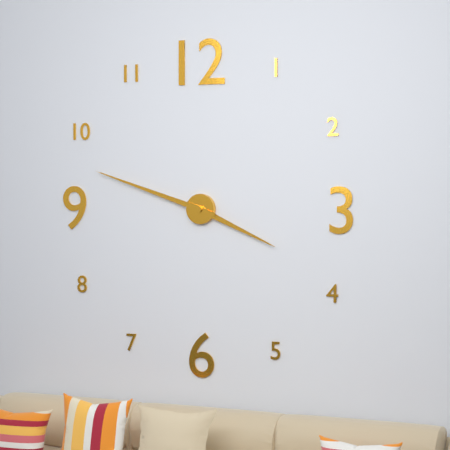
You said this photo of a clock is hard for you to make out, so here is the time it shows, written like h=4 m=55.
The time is h=3 m=48
